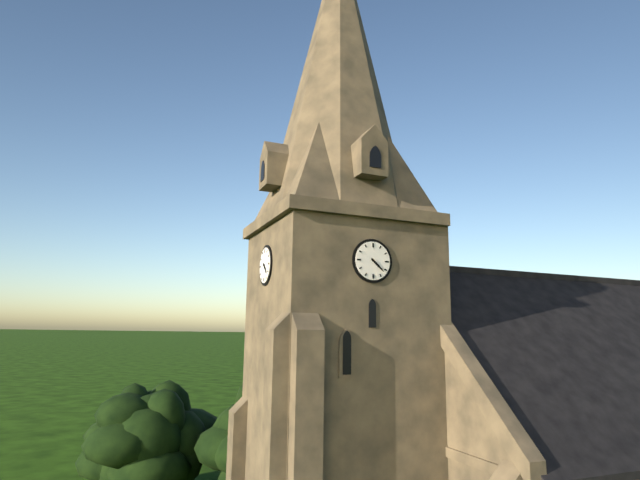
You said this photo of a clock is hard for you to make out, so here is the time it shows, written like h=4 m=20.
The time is h=4 m=22
